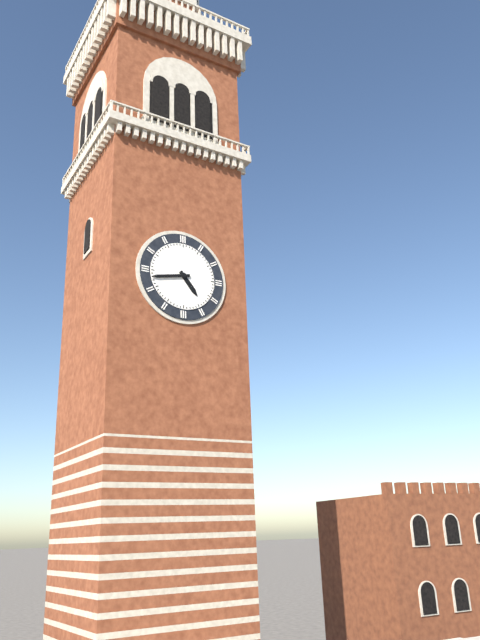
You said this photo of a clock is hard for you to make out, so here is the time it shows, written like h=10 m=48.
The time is h=4 m=43
